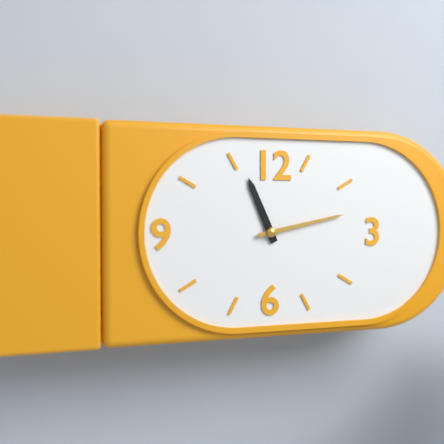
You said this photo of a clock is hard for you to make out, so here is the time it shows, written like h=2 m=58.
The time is h=11 m=13
